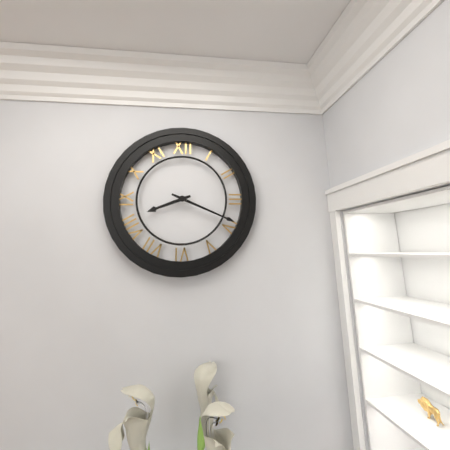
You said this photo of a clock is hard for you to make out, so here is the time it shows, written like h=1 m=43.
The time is h=8 m=19
